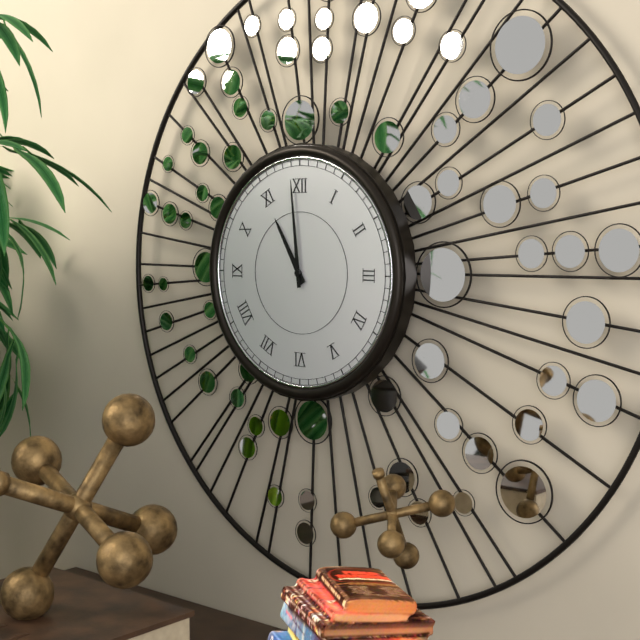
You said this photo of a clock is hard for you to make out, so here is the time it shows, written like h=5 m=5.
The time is h=10 m=59
